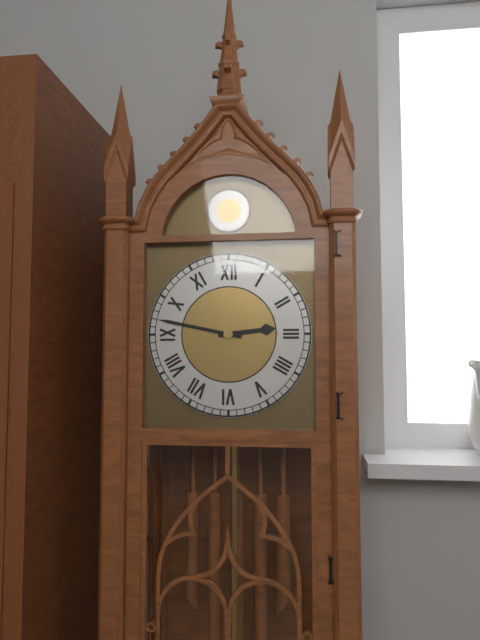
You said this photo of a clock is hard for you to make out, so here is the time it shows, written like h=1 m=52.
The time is h=2 m=47
